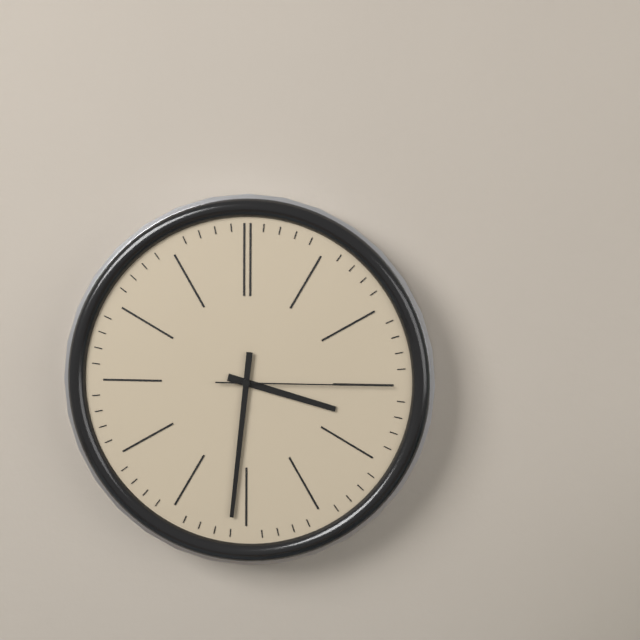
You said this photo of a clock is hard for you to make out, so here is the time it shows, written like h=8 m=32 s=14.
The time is h=3 m=31 s=15
